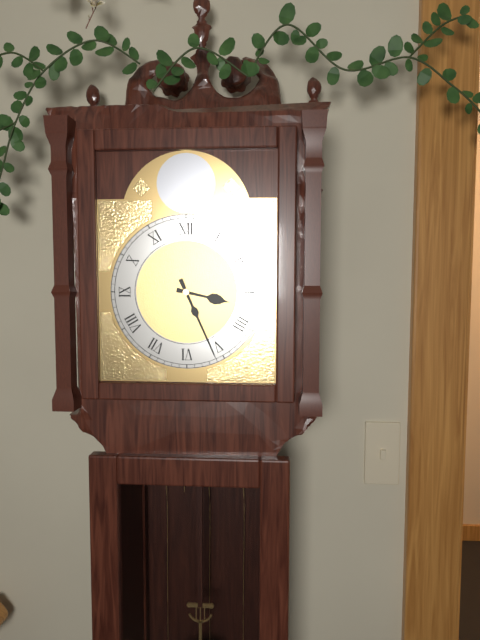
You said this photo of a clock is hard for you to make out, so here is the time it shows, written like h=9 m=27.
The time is h=3 m=26
